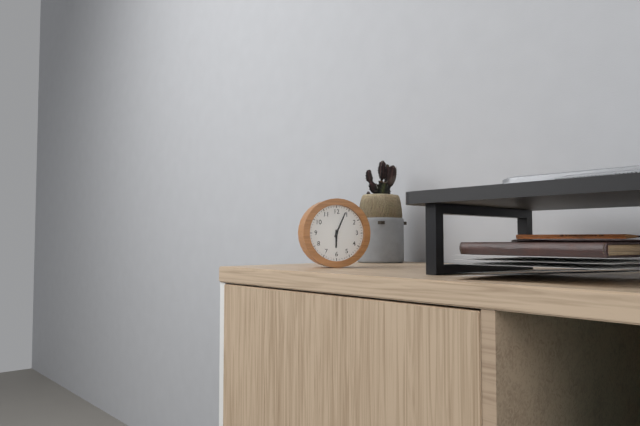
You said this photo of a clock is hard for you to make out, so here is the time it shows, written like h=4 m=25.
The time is h=6 m=4
